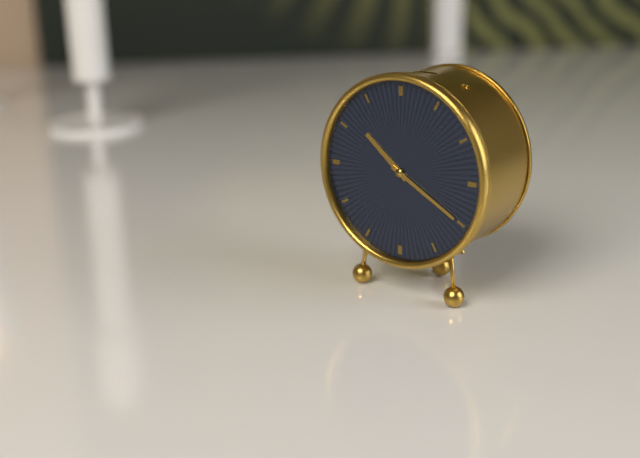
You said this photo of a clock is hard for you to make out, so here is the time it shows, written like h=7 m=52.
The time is h=10 m=20
